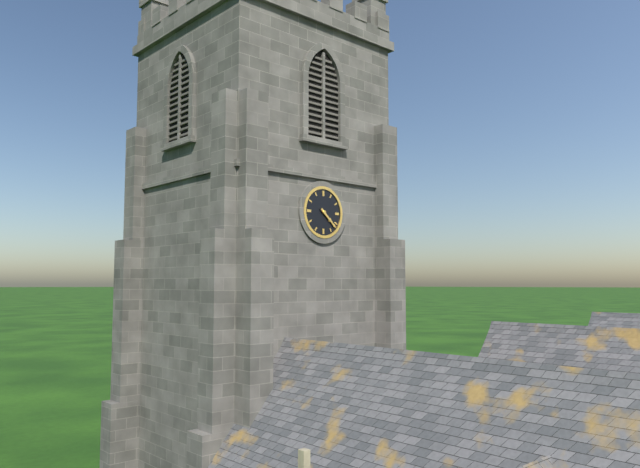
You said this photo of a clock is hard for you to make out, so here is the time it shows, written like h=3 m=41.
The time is h=4 m=22
